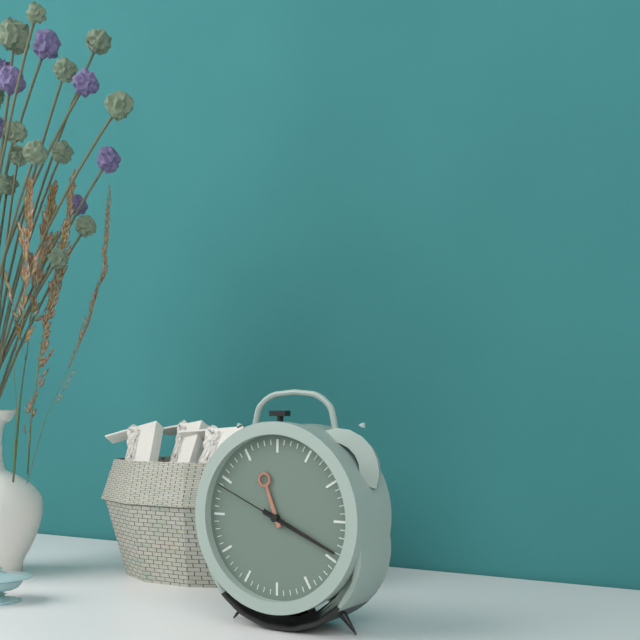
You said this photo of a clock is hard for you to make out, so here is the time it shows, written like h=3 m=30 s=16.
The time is h=11 m=19 s=49
